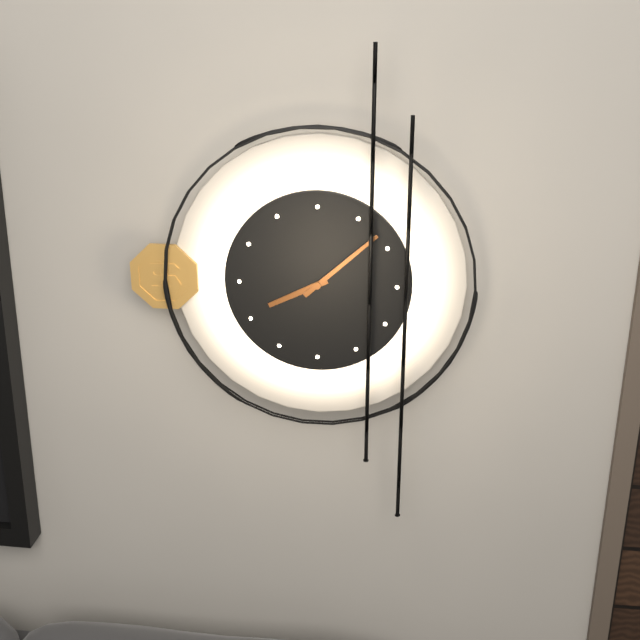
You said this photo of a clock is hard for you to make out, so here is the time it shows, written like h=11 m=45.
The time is h=8 m=8
